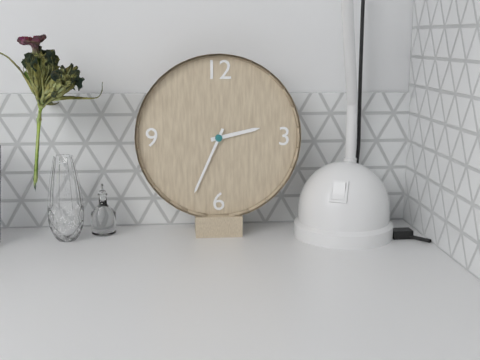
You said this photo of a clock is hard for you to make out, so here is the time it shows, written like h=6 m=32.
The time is h=2 m=34
